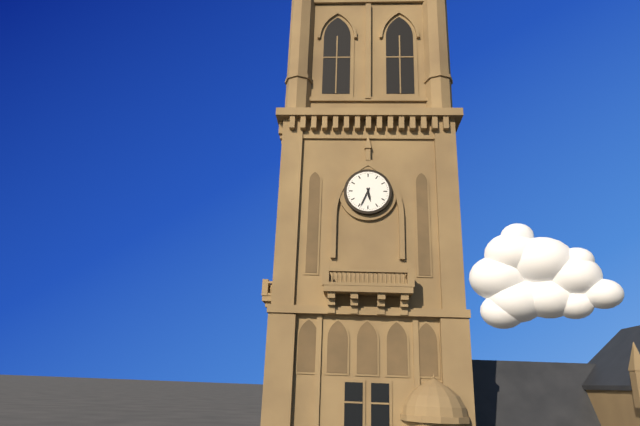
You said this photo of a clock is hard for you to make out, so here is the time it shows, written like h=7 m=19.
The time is h=5 m=34
